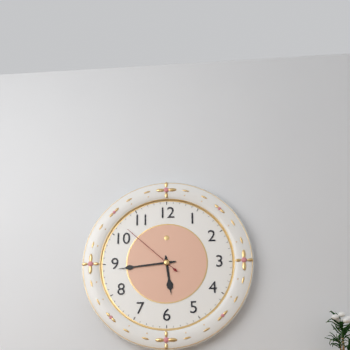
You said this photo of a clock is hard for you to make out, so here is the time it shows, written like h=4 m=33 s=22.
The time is h=5 m=44 s=52
